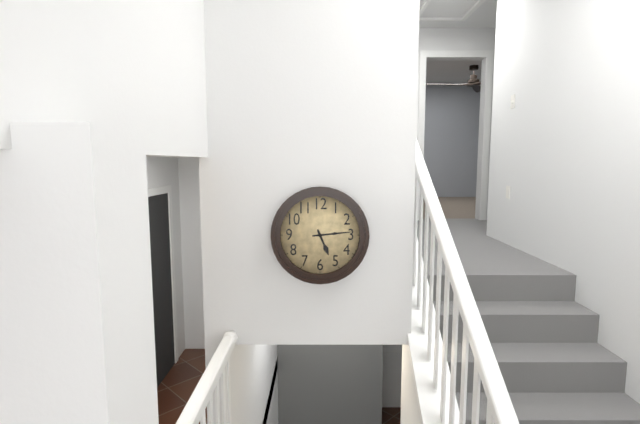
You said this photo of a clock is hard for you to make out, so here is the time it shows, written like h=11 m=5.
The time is h=5 m=14
